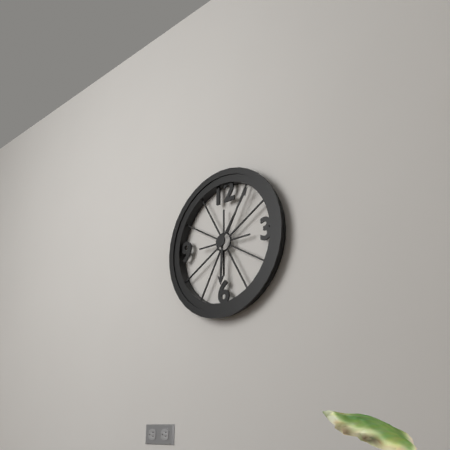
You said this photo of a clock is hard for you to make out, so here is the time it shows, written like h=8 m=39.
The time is h=6 m=6
